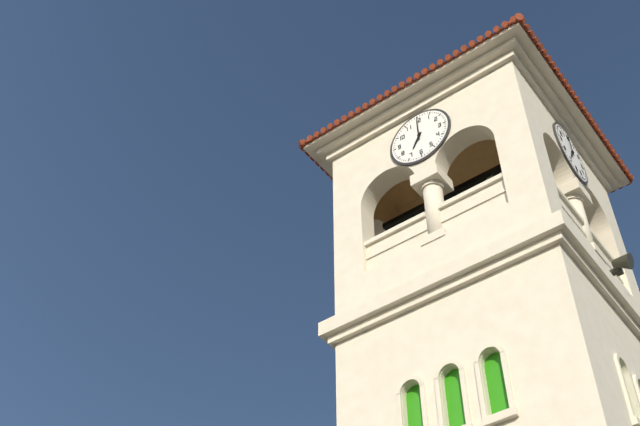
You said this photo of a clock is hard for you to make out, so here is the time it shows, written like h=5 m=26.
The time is h=7 m=0
